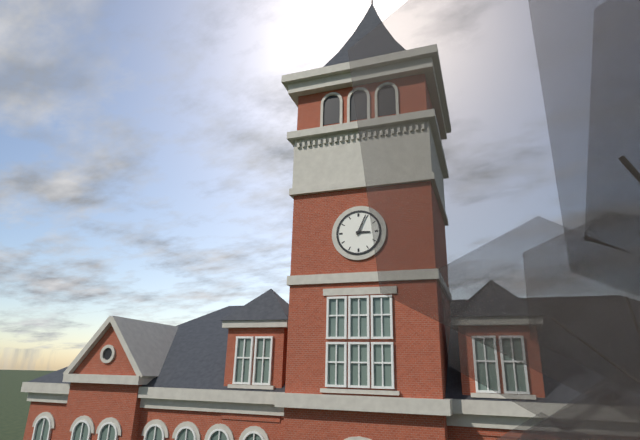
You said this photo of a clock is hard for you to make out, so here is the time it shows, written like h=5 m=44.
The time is h=3 m=4
